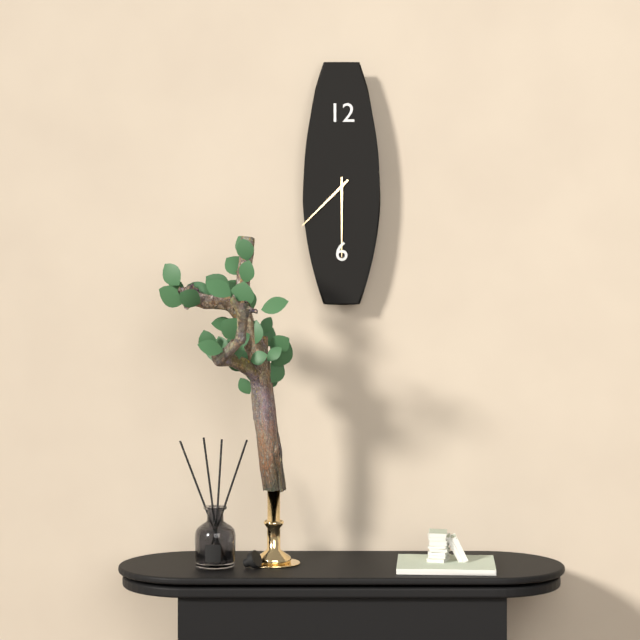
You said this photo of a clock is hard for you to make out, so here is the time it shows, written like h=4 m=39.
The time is h=7 m=30
